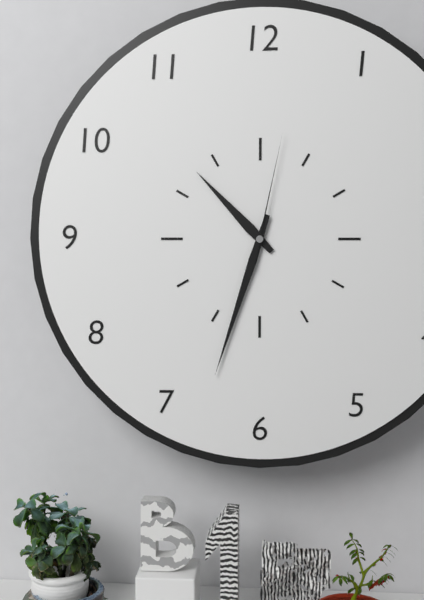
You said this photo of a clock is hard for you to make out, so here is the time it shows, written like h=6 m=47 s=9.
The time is h=10 m=33 s=2
